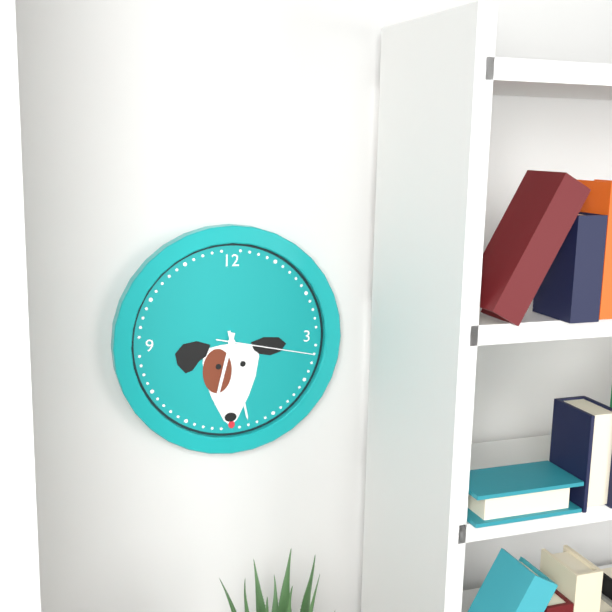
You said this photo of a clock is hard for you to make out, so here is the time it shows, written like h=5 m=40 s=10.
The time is h=6 m=28 s=17
